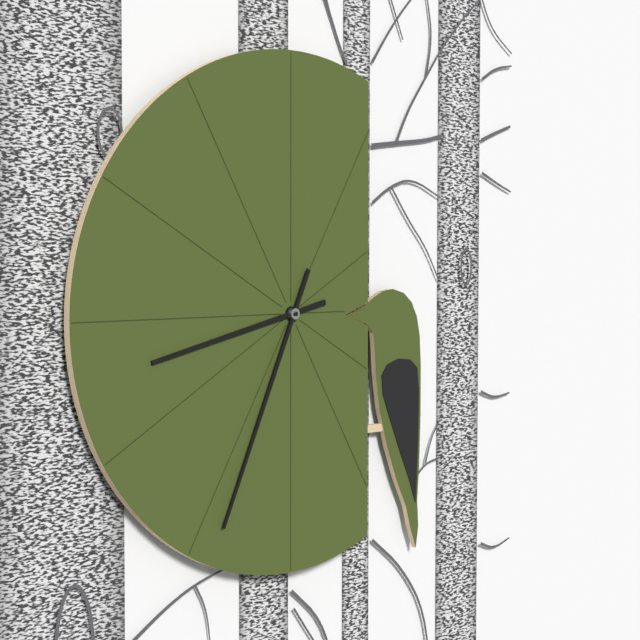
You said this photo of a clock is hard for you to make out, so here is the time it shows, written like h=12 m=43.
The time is h=8 m=34
